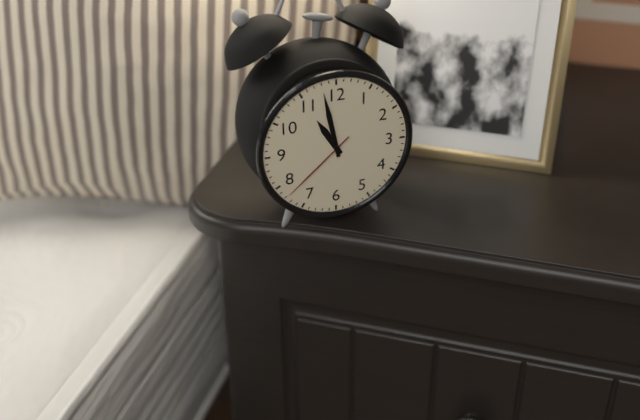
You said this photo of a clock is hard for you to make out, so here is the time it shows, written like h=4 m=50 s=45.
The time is h=10 m=58 s=38
